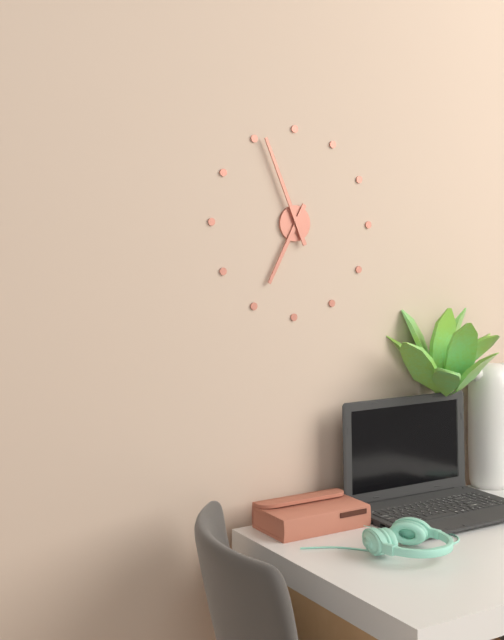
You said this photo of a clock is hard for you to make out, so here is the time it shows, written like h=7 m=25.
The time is h=6 m=56
